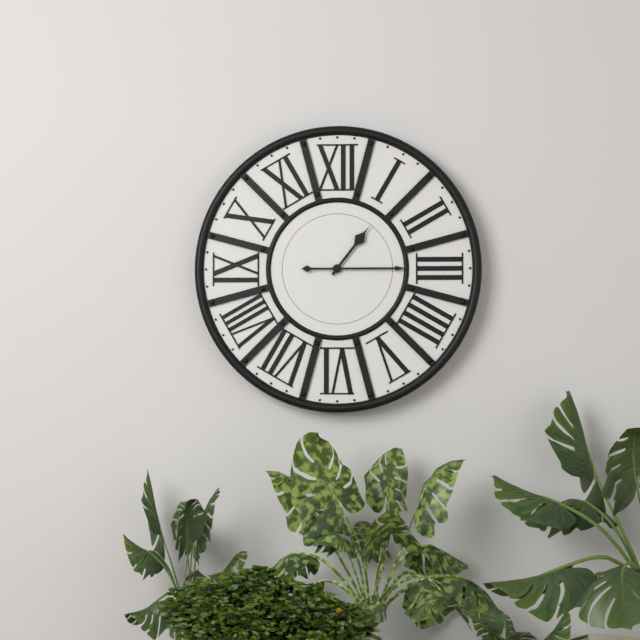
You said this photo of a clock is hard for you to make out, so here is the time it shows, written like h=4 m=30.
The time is h=1 m=15
